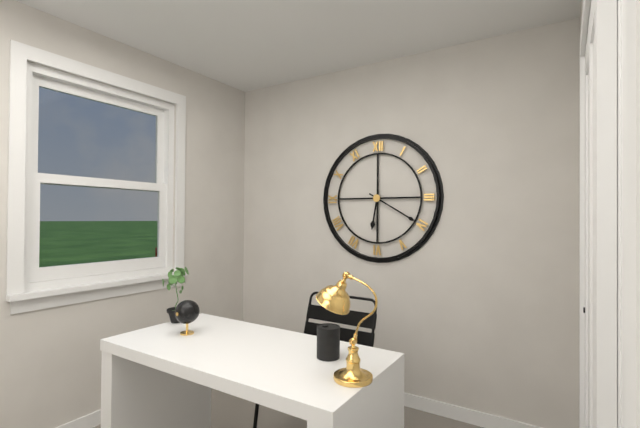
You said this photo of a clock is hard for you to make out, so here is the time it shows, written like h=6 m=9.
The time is h=6 m=20
